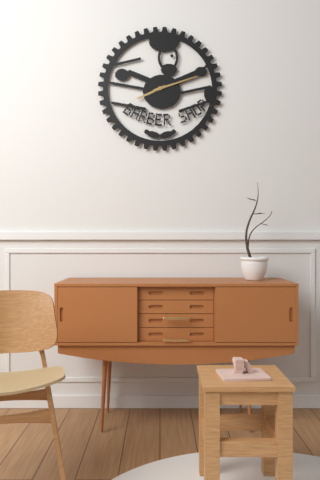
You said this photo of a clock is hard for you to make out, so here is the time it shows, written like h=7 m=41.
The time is h=8 m=12
